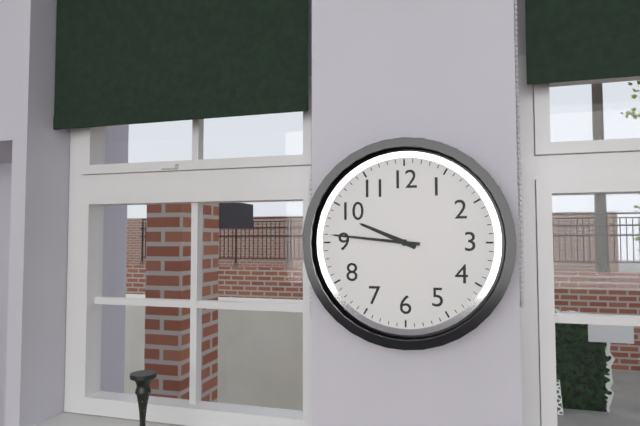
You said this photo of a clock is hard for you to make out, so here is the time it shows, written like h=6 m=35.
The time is h=9 m=46
